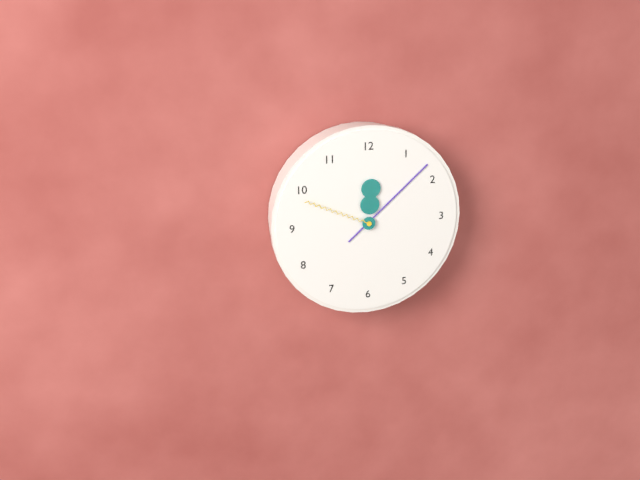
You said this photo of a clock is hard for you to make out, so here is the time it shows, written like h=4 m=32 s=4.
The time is h=12 m=8 s=49
